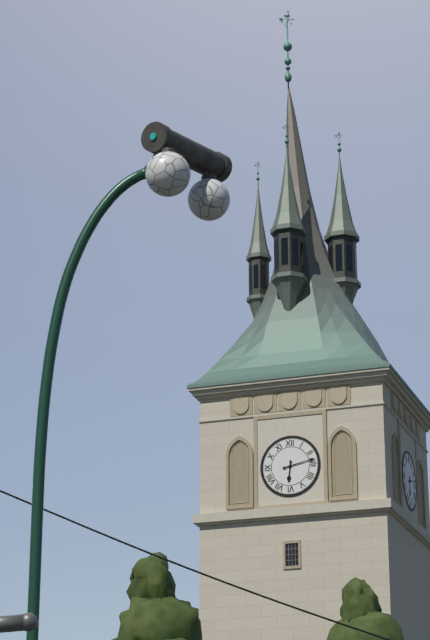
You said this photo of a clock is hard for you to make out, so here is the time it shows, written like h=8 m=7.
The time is h=6 m=13
